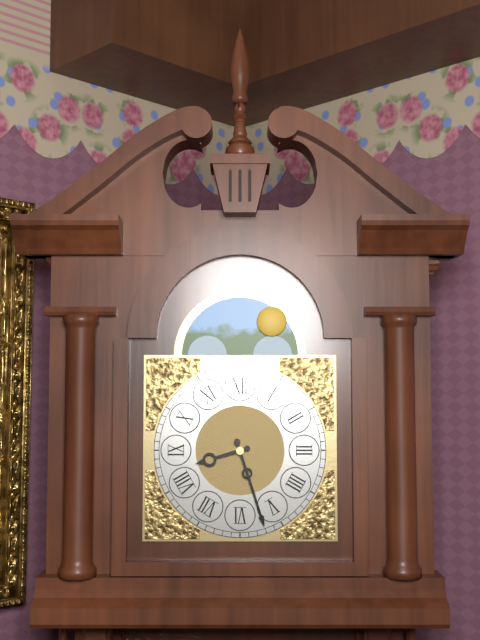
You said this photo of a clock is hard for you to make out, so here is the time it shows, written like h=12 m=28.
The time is h=8 m=27
